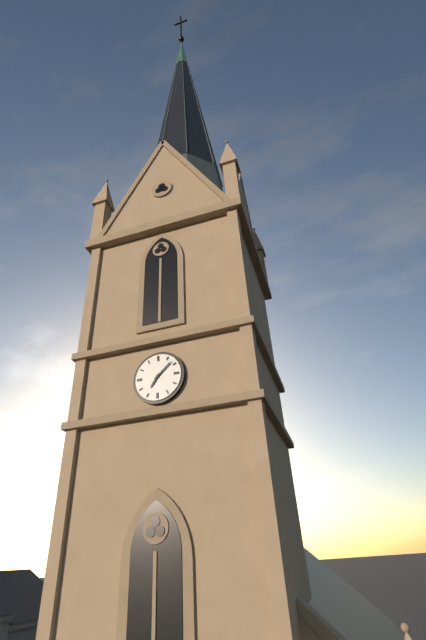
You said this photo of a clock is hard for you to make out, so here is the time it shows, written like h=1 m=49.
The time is h=7 m=8
